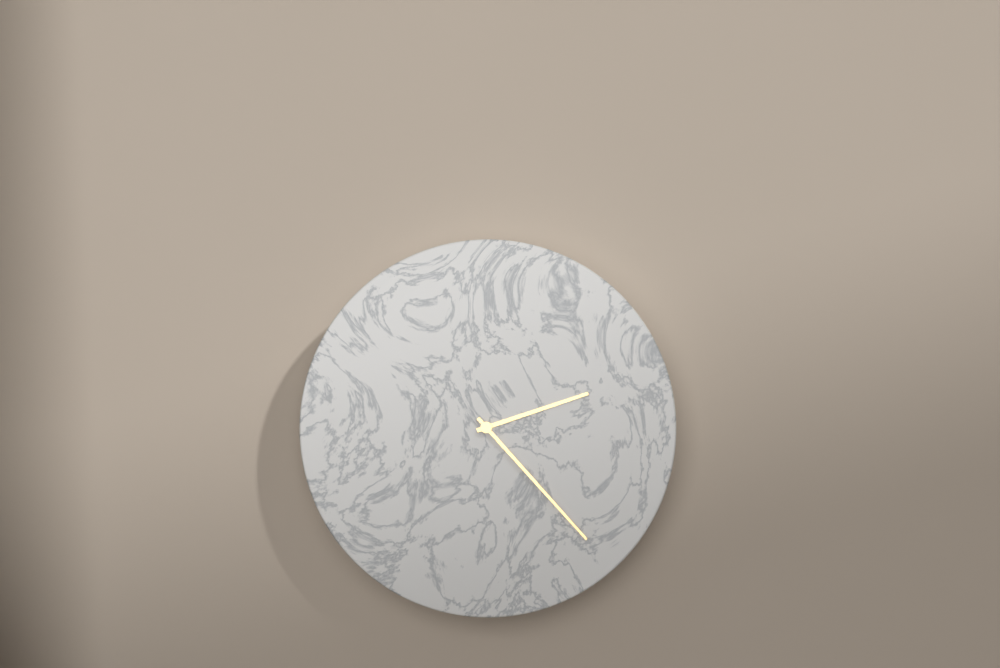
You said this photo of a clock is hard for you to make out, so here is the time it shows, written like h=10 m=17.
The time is h=2 m=23
